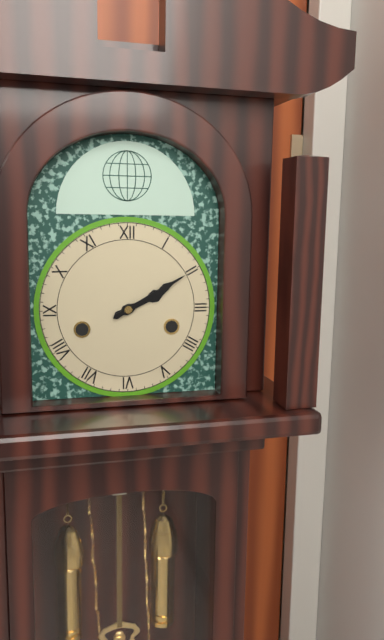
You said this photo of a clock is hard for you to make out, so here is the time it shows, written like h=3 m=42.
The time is h=2 m=10
